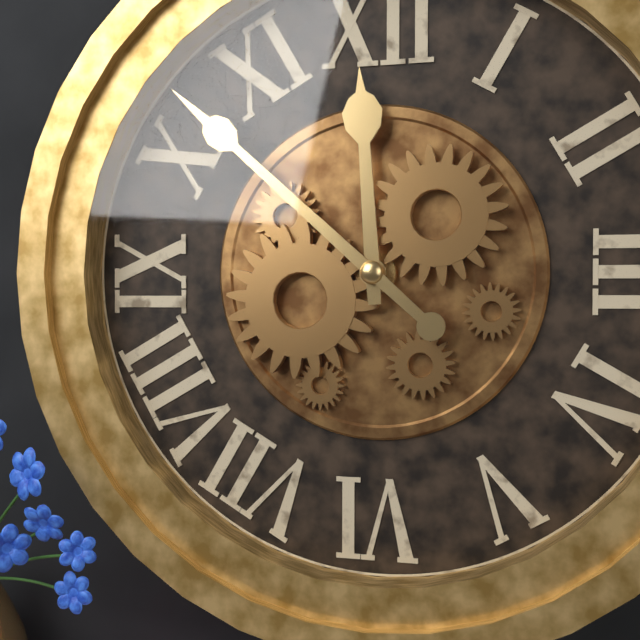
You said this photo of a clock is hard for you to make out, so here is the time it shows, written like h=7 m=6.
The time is h=11 m=52
